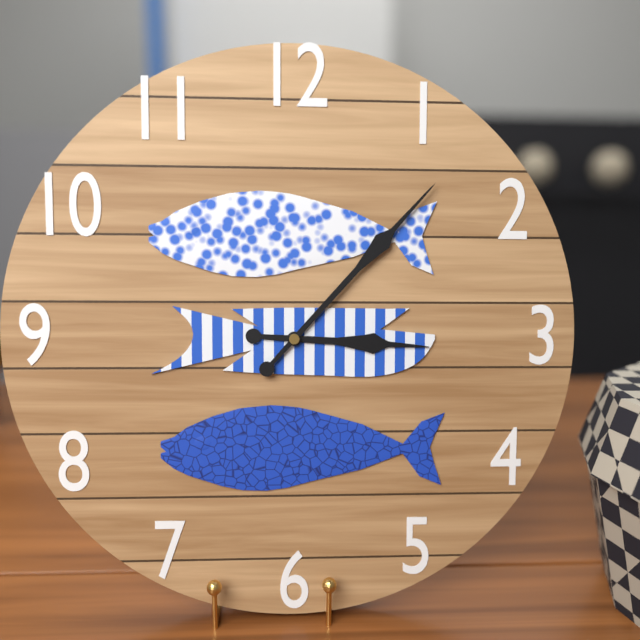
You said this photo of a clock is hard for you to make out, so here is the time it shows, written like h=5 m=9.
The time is h=3 m=7
